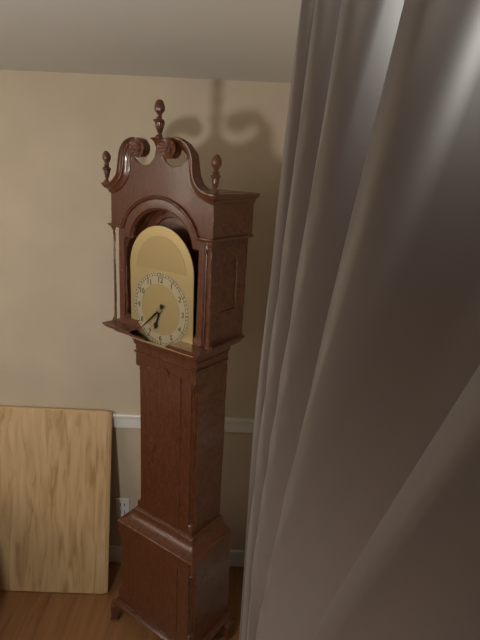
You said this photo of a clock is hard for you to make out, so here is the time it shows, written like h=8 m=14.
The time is h=6 m=38
